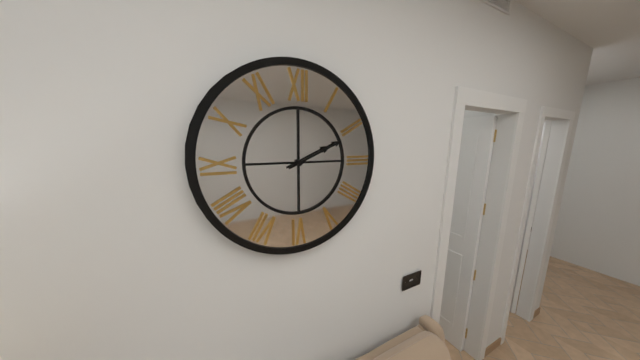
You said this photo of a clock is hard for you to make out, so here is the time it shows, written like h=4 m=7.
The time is h=2 m=11
